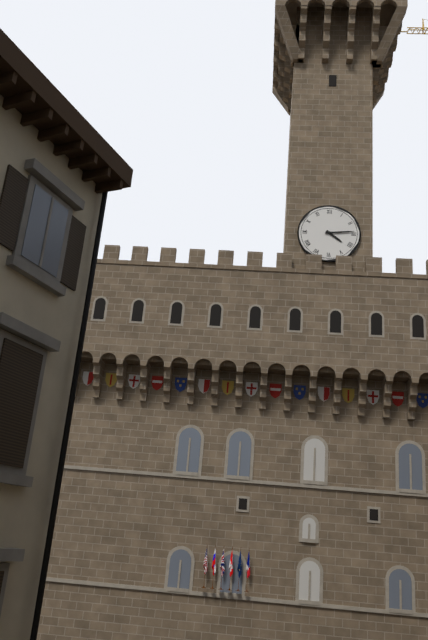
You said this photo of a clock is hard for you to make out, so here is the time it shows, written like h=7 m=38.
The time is h=4 m=14
